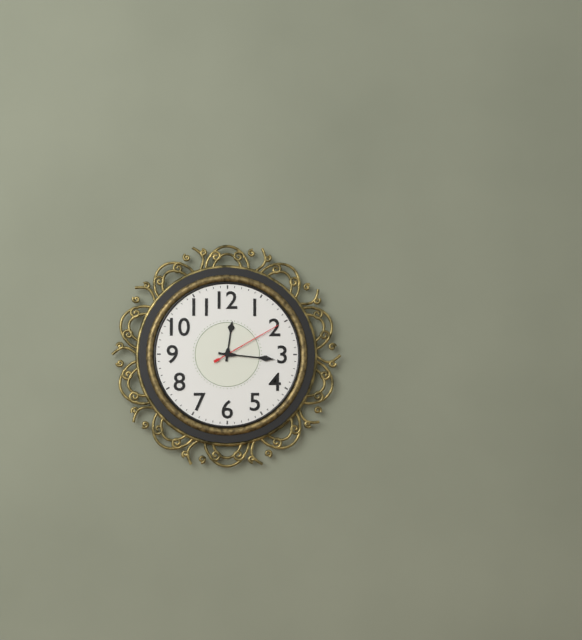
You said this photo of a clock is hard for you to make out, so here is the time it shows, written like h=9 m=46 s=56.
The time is h=12 m=16 s=10
